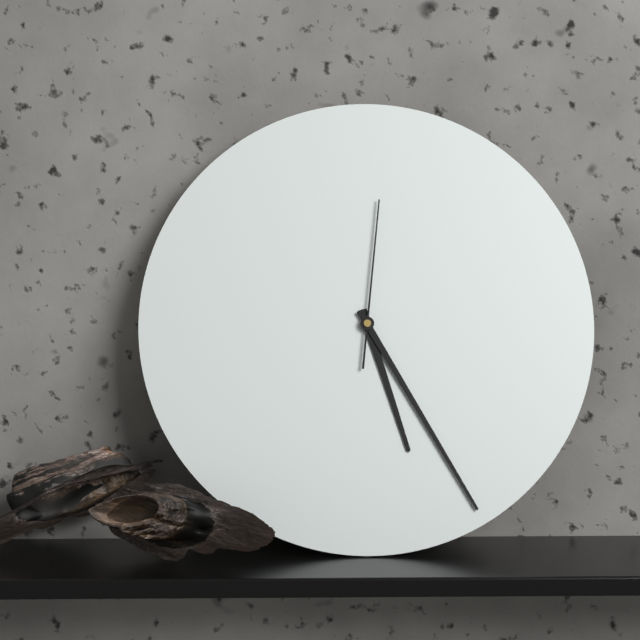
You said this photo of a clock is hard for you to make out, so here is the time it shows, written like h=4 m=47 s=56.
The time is h=5 m=25 s=1
